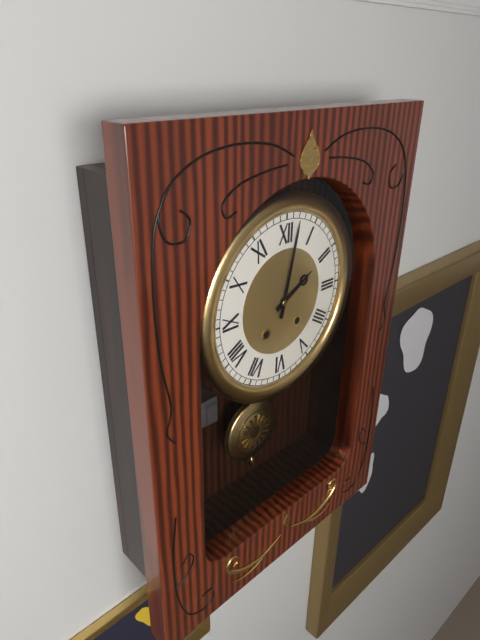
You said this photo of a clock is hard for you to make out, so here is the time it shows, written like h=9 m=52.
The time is h=2 m=2
